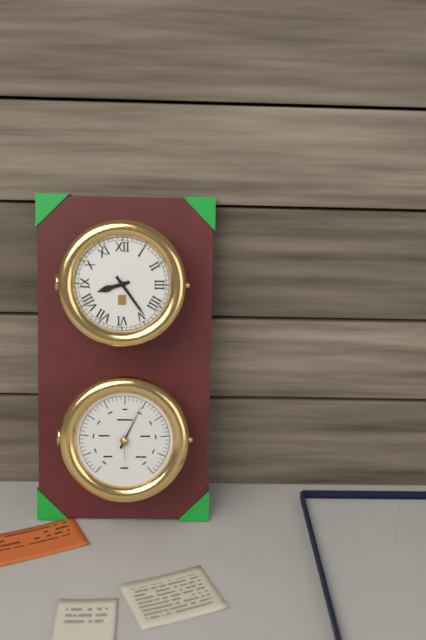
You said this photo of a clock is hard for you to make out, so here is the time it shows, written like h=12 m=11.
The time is h=8 m=24
